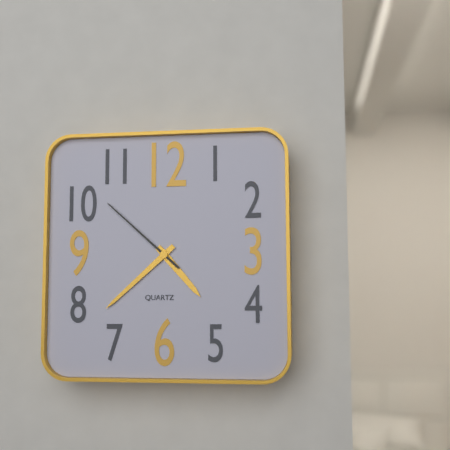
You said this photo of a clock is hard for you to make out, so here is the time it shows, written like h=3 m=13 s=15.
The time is h=4 m=38 s=52
